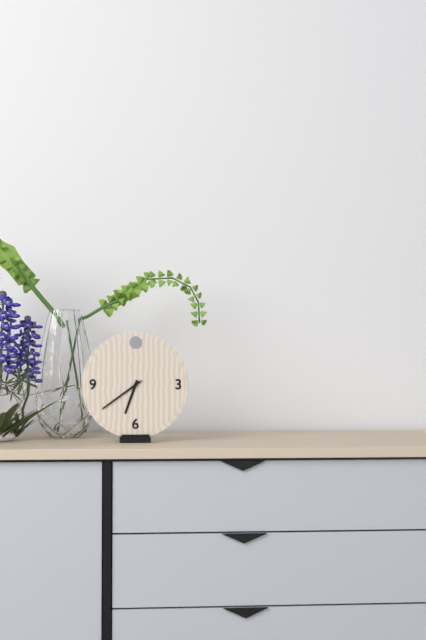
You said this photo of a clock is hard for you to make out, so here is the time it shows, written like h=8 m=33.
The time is h=6 m=39
